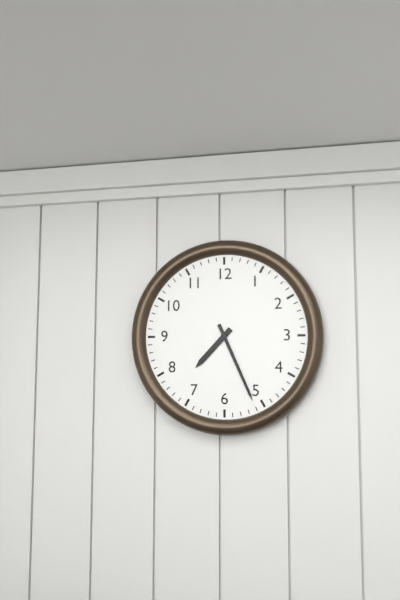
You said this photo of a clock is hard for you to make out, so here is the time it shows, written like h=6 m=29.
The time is h=7 m=26
